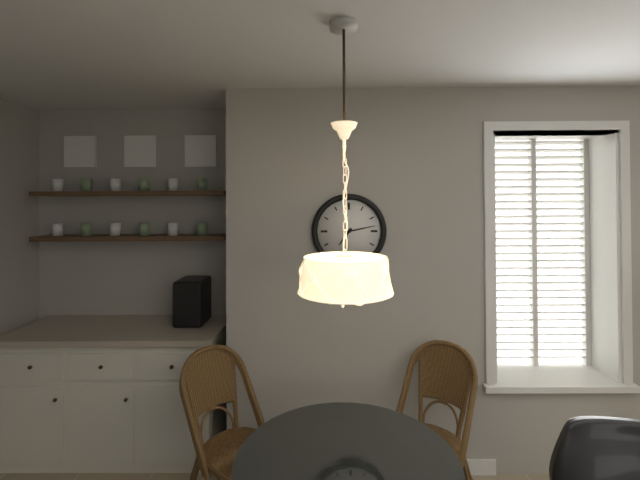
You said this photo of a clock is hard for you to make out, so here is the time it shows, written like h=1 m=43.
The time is h=7 m=13
